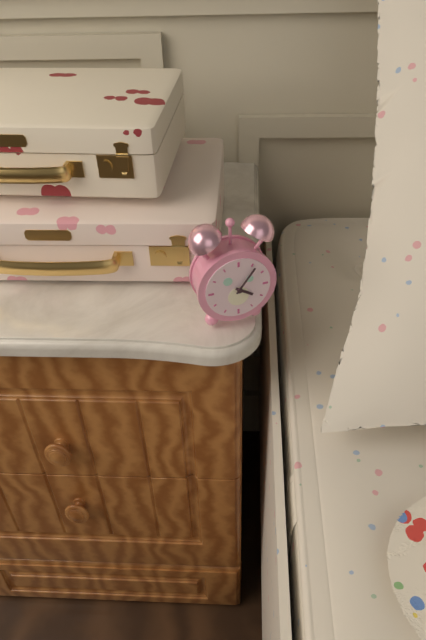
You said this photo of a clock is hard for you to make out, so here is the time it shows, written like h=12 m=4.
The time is h=4 m=6
